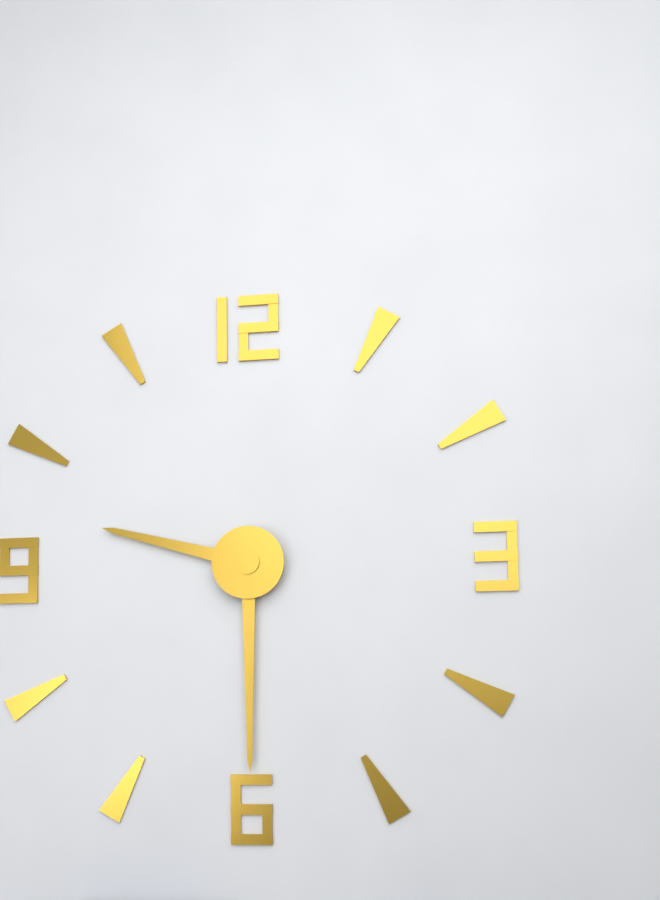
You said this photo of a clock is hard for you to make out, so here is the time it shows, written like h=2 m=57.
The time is h=9 m=30
